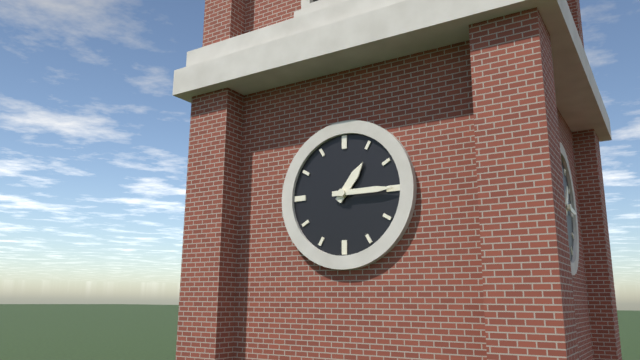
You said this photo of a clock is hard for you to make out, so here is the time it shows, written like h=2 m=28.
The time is h=1 m=15
